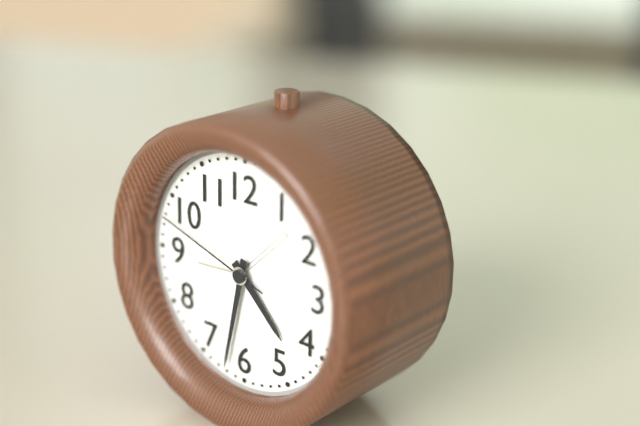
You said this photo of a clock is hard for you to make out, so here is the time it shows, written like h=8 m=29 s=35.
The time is h=4 m=32 s=48
